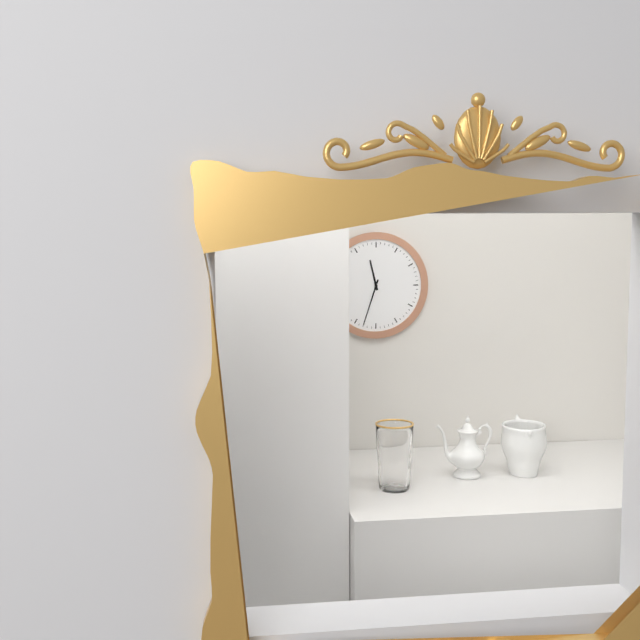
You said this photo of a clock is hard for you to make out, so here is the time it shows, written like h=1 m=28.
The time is h=11 m=33
